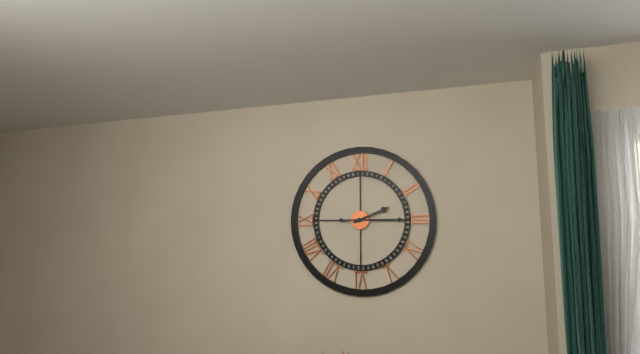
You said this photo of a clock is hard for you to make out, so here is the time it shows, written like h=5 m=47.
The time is h=2 m=15
